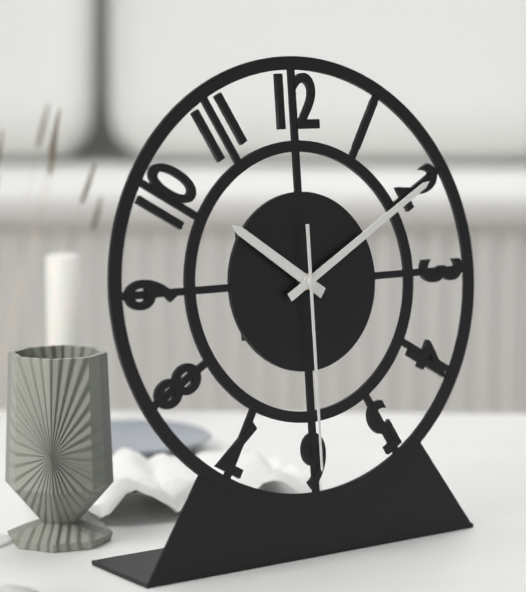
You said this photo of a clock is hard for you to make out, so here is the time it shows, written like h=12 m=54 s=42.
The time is h=10 m=10 s=30
